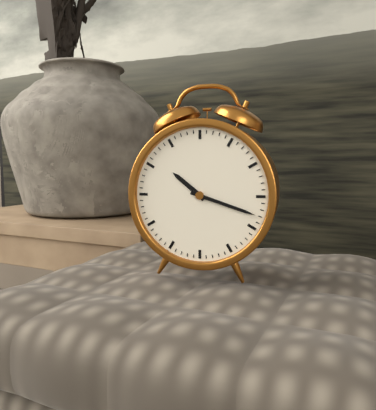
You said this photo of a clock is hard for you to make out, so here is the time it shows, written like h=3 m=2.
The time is h=10 m=18
